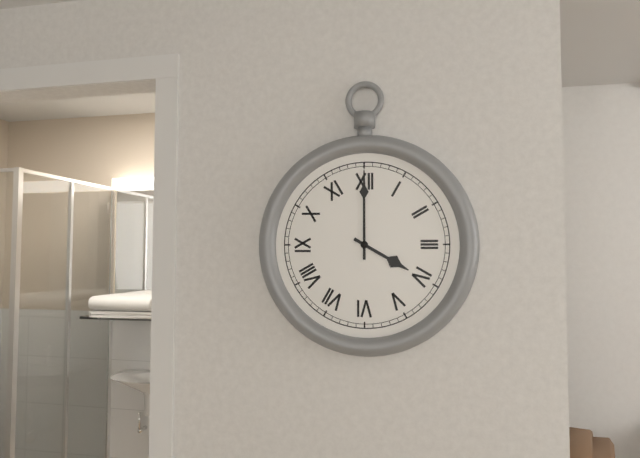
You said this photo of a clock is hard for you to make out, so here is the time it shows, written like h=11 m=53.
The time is h=4 m=0
